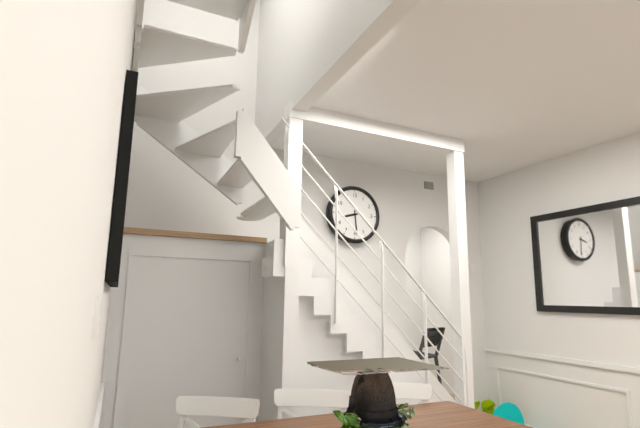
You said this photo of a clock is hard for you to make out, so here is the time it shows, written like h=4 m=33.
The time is h=8 m=29
